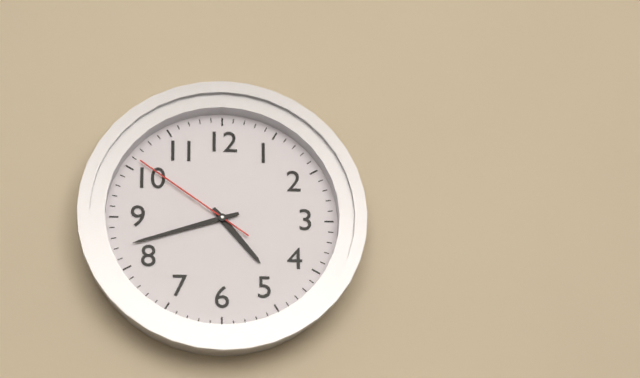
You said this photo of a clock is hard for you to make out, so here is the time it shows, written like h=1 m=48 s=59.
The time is h=4 m=42 s=51
